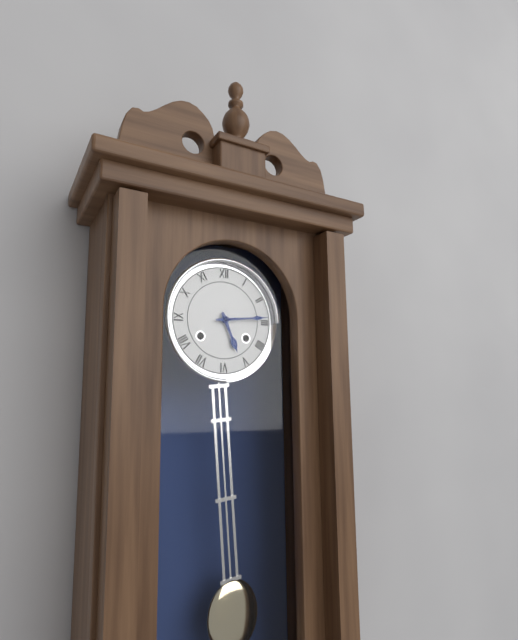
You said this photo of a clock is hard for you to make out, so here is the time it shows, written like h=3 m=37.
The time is h=5 m=14
